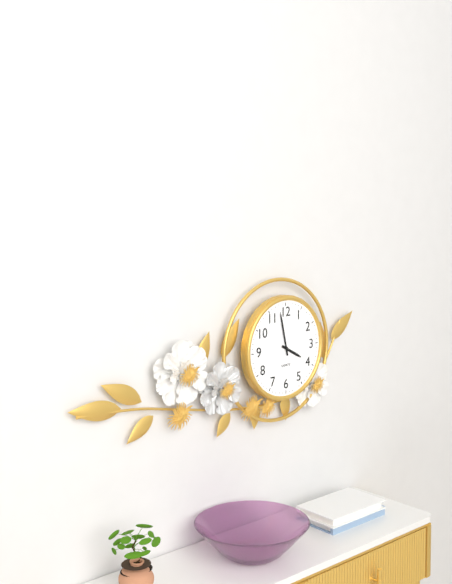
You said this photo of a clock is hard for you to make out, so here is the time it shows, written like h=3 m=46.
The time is h=3 m=58
